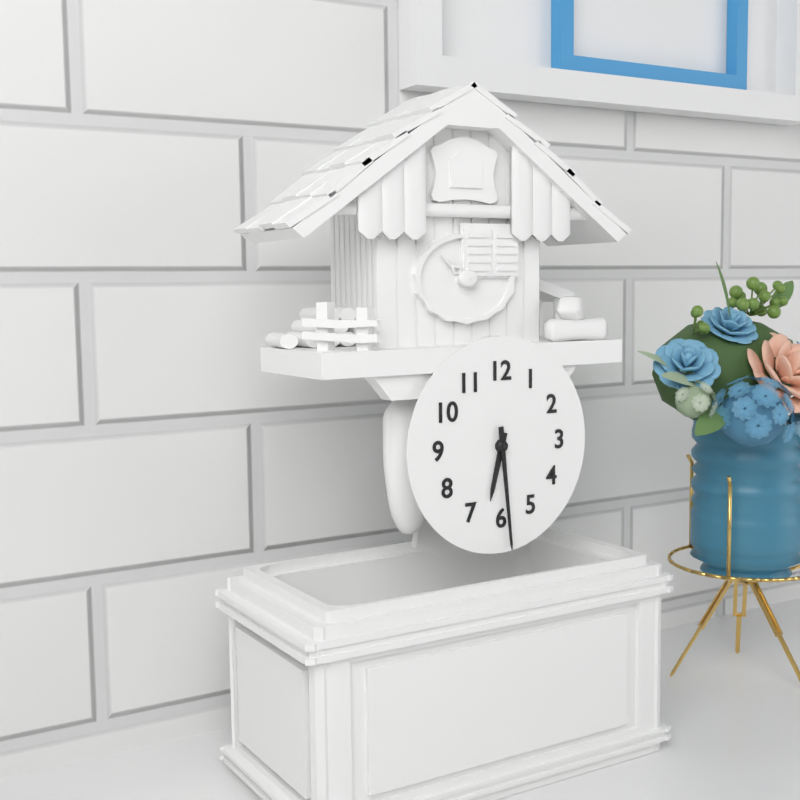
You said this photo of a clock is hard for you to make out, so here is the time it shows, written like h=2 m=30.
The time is h=6 m=29
